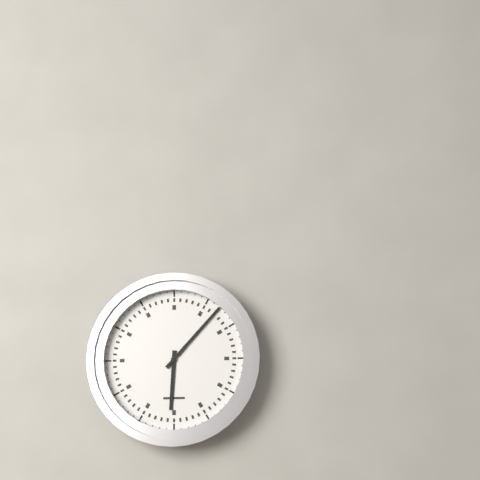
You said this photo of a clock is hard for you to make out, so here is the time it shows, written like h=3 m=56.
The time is h=6 m=7
